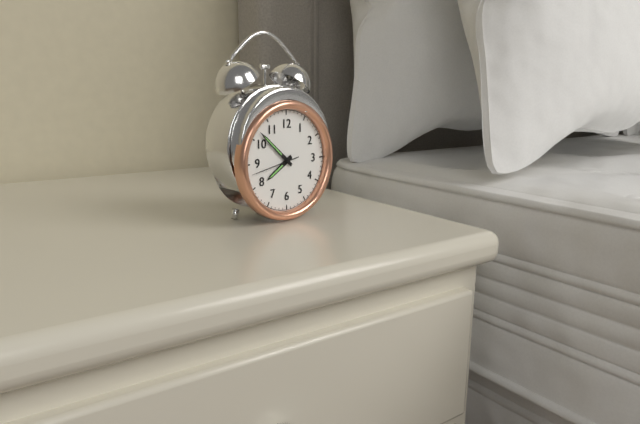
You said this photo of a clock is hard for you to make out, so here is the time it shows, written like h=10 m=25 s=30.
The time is h=7 m=52 s=43
